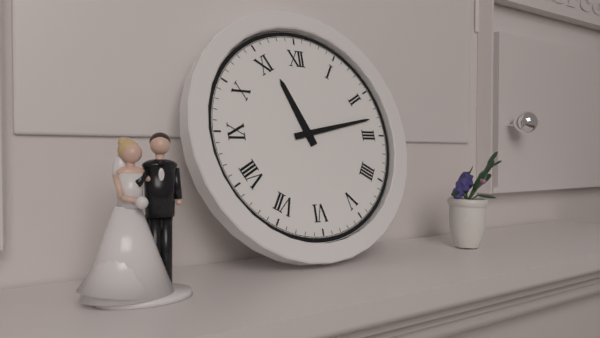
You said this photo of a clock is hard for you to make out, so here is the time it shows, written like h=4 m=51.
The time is h=11 m=13
